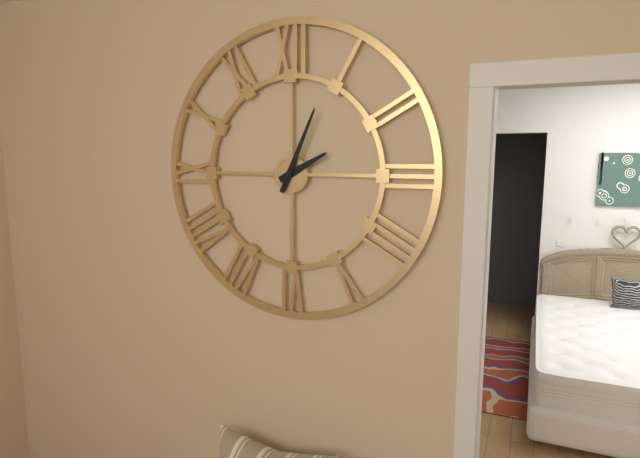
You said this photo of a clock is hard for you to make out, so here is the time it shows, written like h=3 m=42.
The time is h=2 m=4
